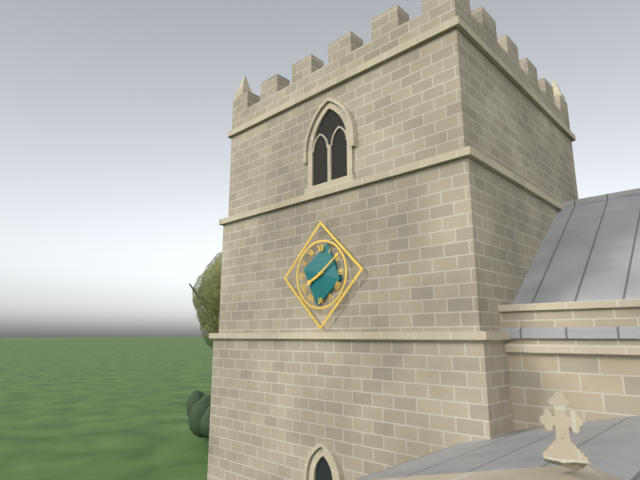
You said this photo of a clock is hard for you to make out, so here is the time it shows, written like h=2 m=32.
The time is h=8 m=9
